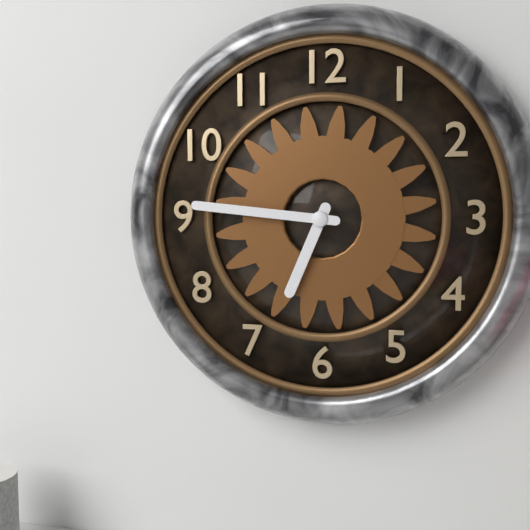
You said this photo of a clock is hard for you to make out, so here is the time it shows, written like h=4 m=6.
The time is h=6 m=46
